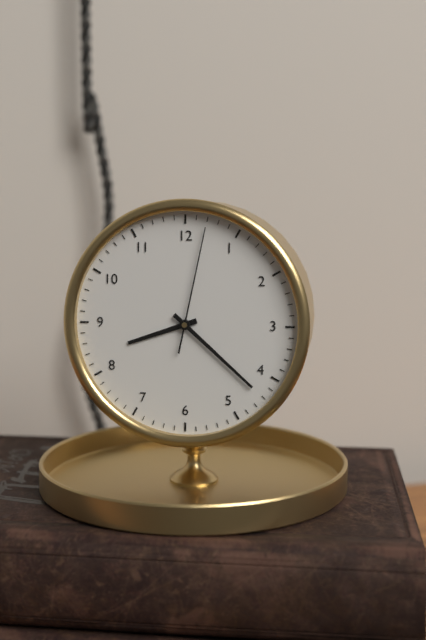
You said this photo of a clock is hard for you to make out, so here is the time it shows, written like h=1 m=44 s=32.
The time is h=8 m=22 s=2
